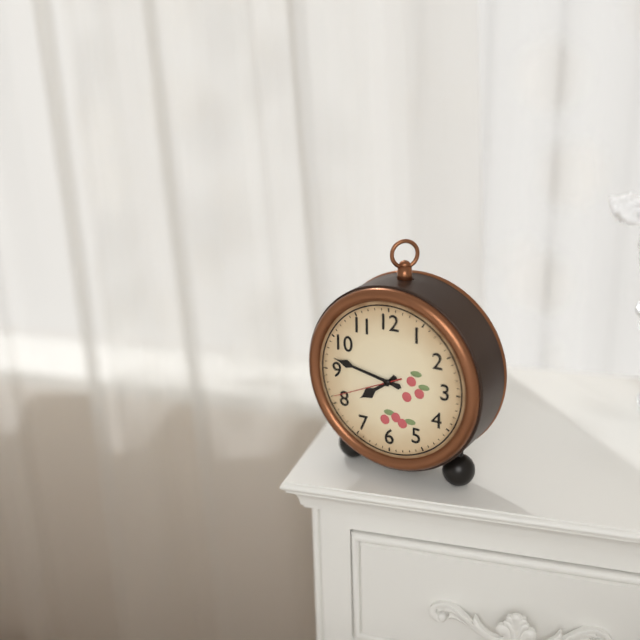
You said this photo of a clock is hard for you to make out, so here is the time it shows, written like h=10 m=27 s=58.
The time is h=7 m=47 s=41
